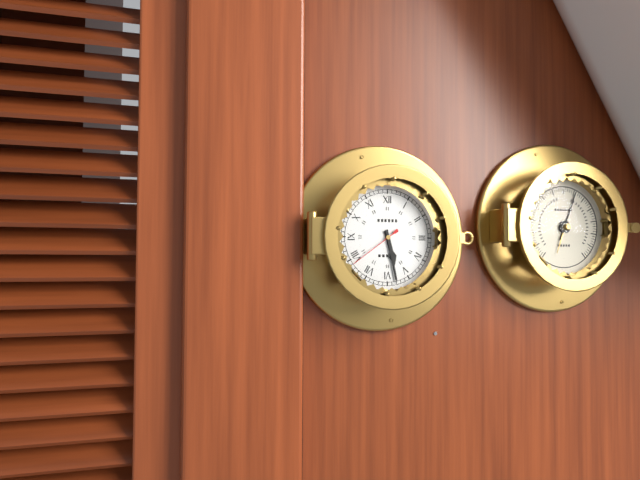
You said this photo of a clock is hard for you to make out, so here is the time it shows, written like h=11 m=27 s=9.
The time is h=5 m=28 s=39
